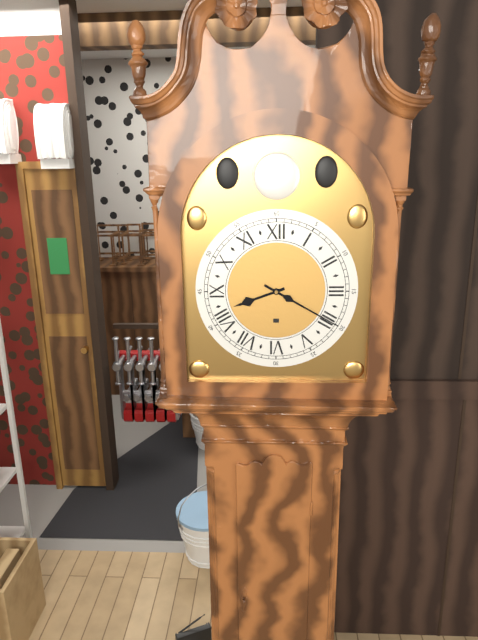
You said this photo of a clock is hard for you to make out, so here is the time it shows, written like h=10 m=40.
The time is h=8 m=20
